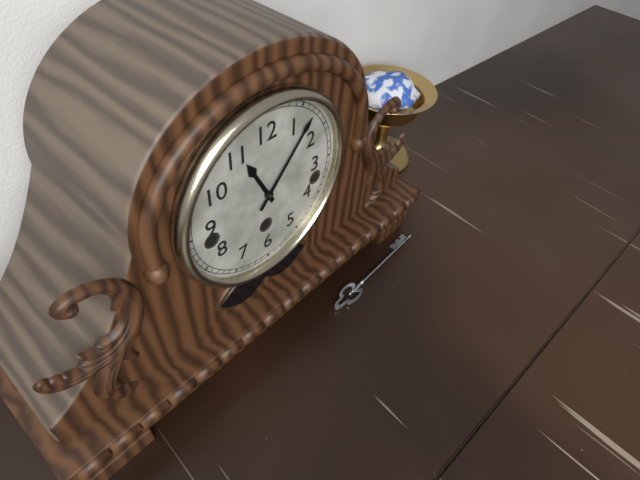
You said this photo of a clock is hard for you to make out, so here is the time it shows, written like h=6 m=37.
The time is h=11 m=7
